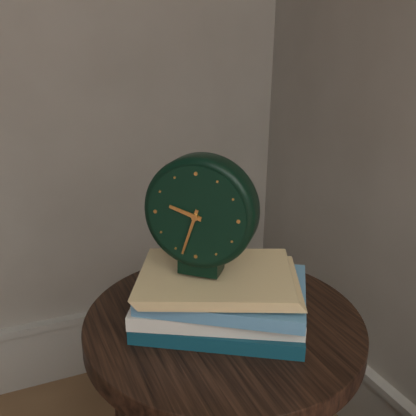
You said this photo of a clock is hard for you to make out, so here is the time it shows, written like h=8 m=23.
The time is h=9 m=33
